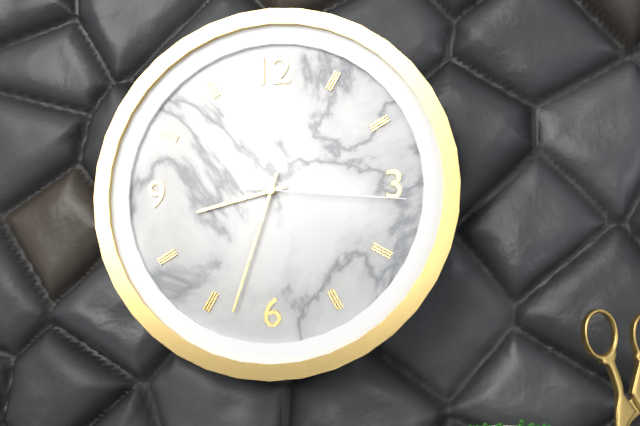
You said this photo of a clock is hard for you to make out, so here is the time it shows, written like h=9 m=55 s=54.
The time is h=8 m=33 s=16
